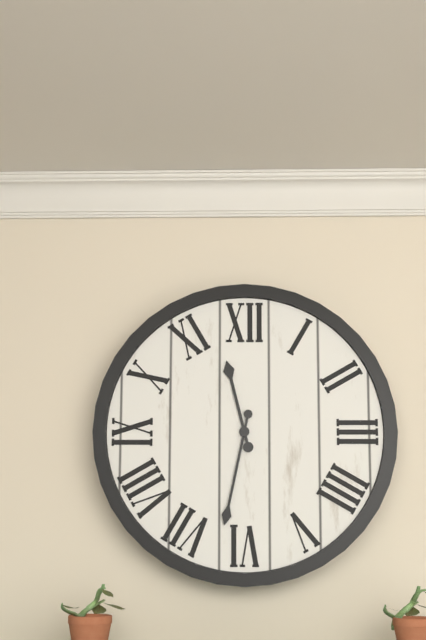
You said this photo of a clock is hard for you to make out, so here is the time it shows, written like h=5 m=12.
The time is h=11 m=32
